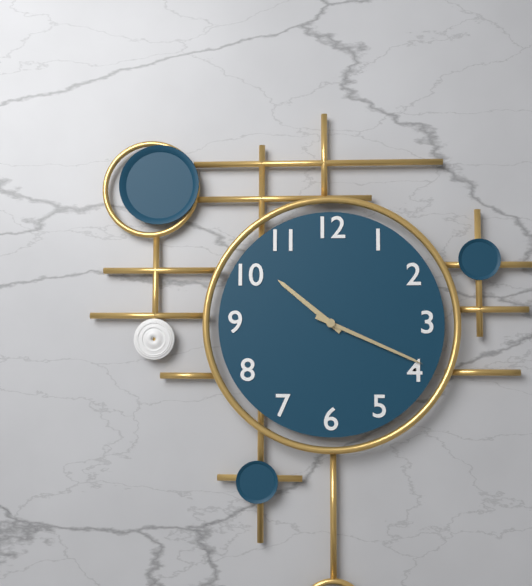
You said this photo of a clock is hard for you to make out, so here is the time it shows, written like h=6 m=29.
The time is h=10 m=19
